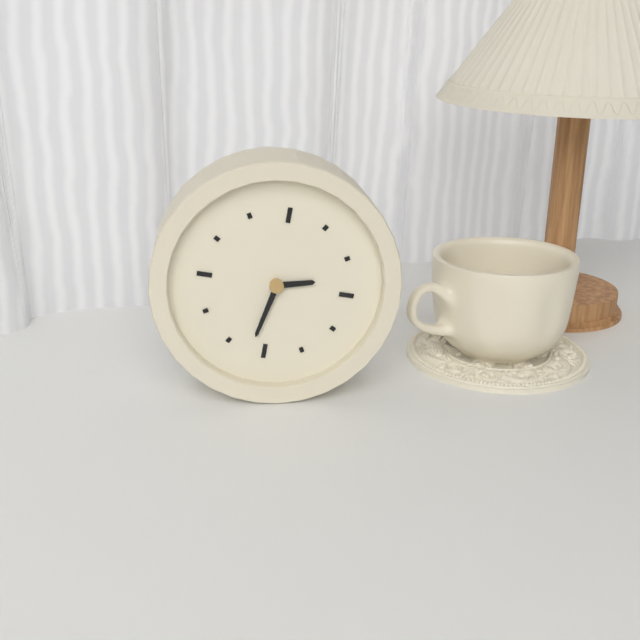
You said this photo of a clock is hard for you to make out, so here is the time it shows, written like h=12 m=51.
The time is h=2 m=32
